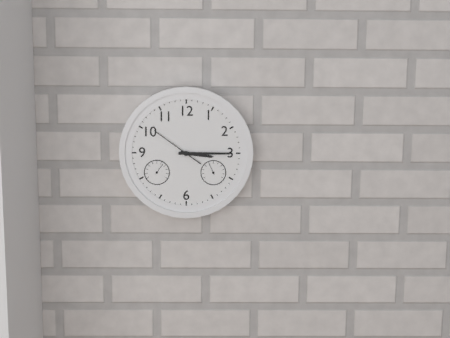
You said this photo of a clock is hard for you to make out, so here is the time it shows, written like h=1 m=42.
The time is h=3 m=15
